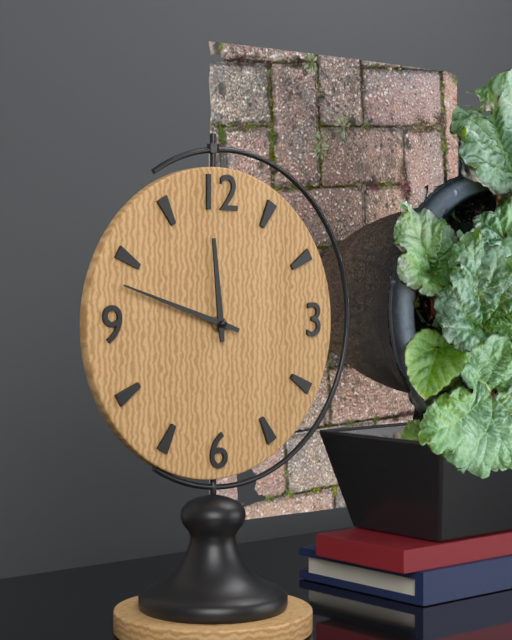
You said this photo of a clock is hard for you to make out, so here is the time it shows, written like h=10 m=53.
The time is h=11 m=48
